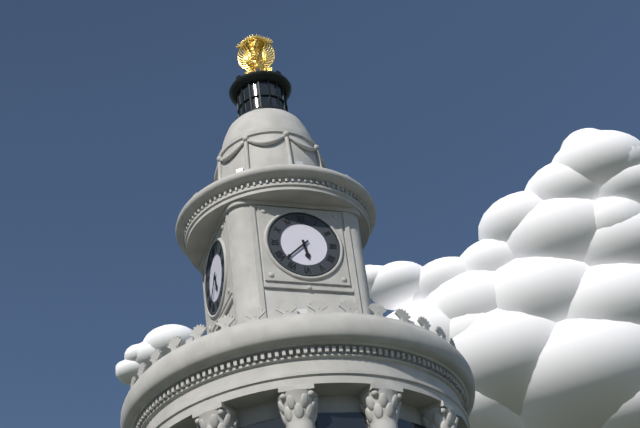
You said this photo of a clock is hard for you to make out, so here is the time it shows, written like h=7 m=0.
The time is h=5 m=38
